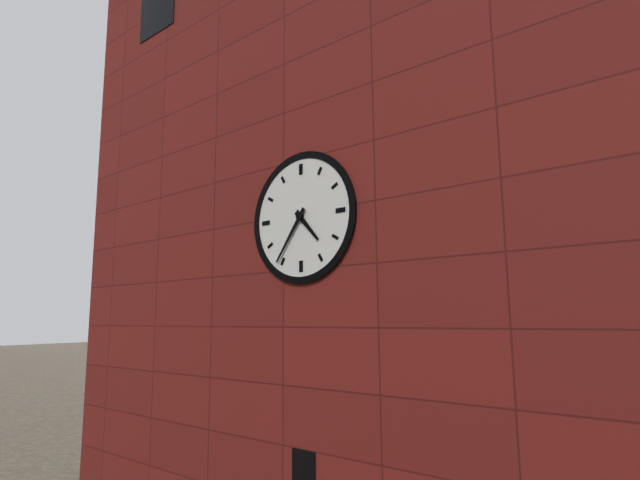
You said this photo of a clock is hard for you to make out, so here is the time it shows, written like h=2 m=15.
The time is h=4 m=36
